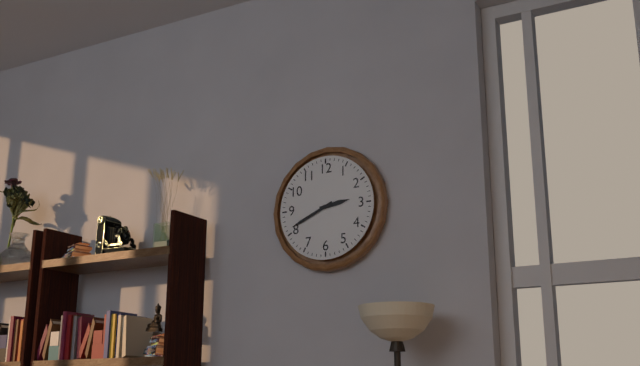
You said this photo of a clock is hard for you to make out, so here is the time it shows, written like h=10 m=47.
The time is h=2 m=41
